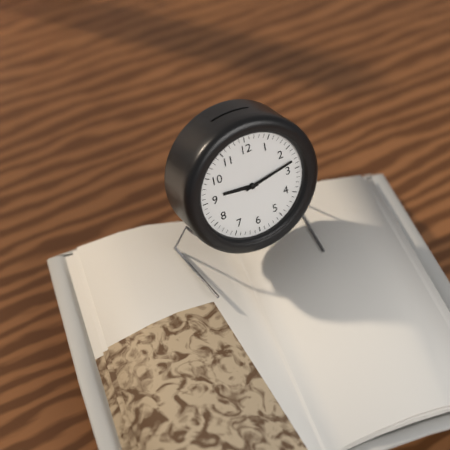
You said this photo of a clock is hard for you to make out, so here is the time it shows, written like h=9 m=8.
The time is h=9 m=13
